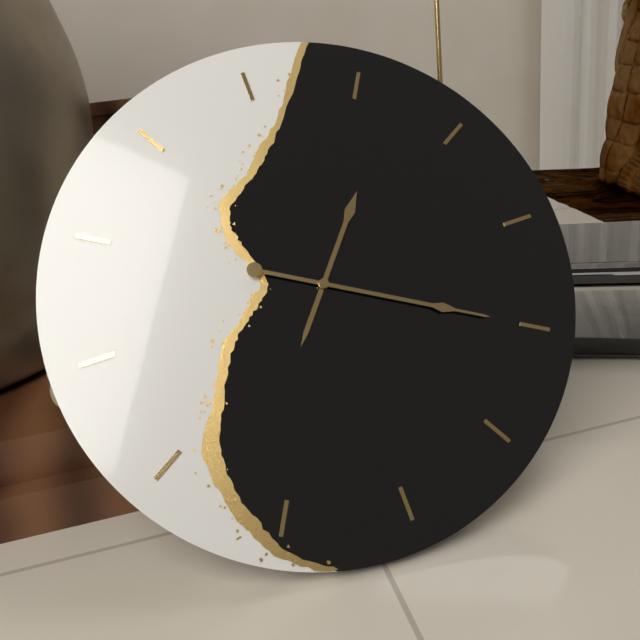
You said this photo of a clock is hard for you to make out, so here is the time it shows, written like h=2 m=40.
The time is h=1 m=20
